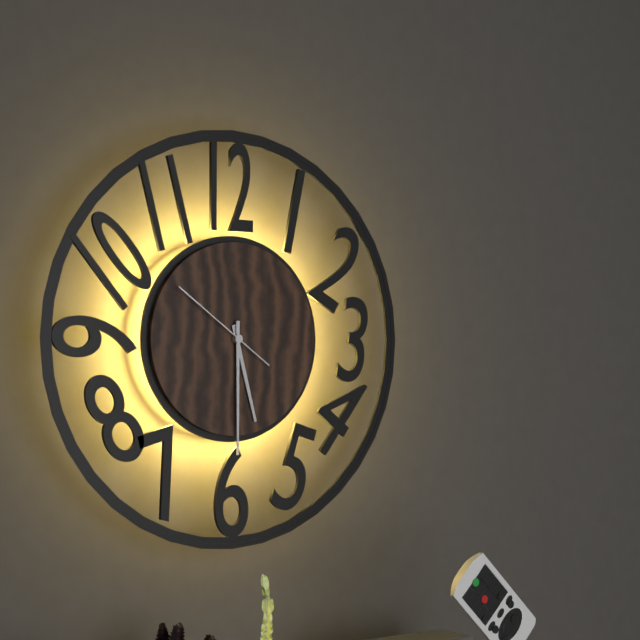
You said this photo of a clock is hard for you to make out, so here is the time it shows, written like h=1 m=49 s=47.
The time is h=5 m=30 s=51
